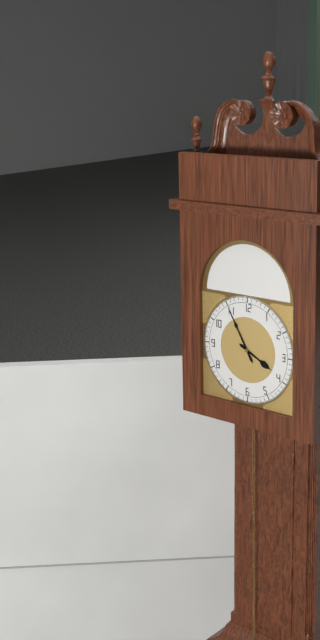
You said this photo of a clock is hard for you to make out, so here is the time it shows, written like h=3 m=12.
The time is h=3 m=55
